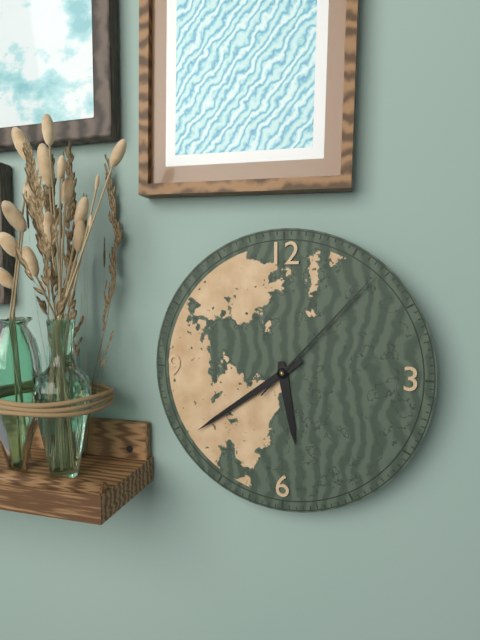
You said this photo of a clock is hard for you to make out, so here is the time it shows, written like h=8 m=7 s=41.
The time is h=5 m=39 s=7
